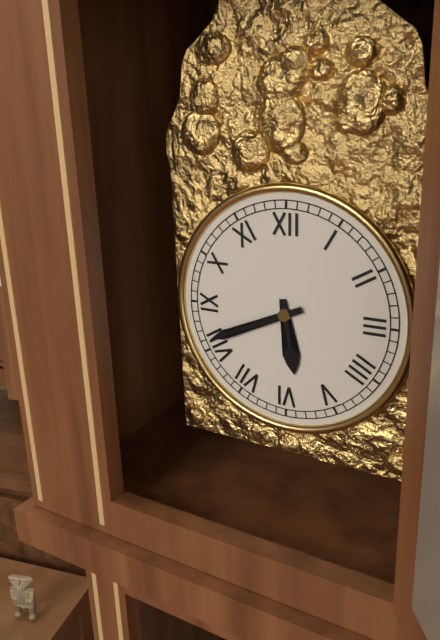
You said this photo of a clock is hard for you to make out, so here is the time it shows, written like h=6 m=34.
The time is h=5 m=41
